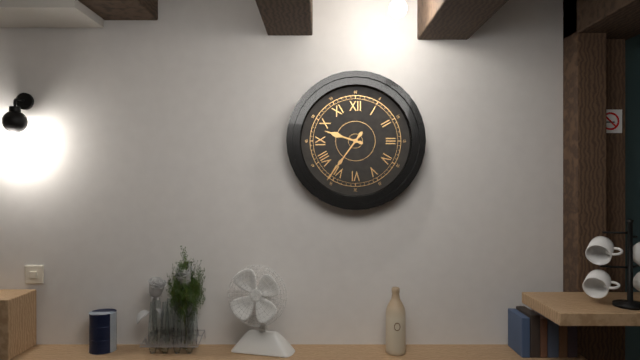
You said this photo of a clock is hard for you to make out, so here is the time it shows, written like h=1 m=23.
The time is h=9 m=36
